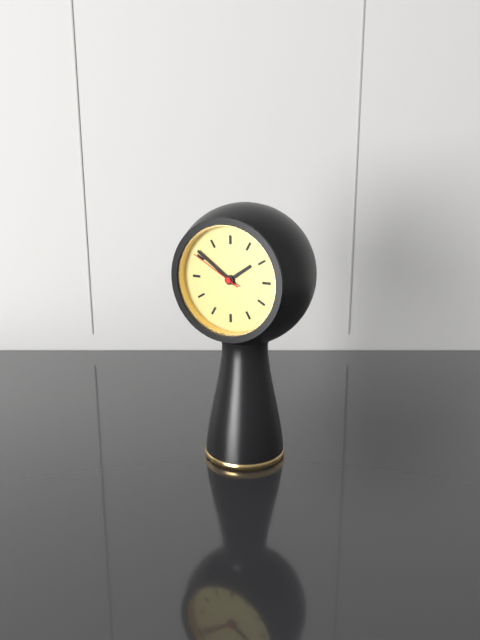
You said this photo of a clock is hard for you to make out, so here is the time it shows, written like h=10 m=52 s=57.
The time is h=1 m=51 s=50
